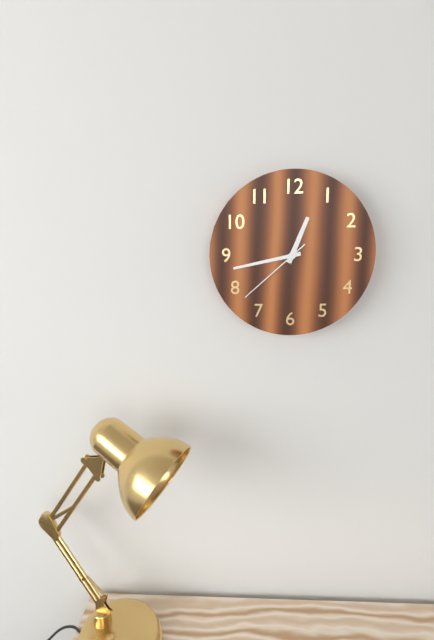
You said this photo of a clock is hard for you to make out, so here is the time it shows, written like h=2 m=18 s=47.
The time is h=12 m=43 s=38
